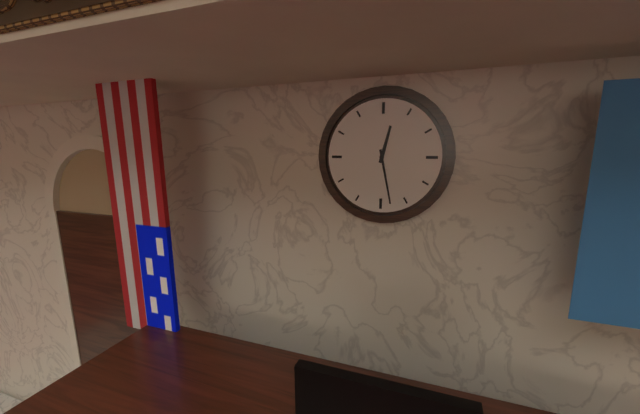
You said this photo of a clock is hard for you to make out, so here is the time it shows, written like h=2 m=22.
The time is h=12 m=28
